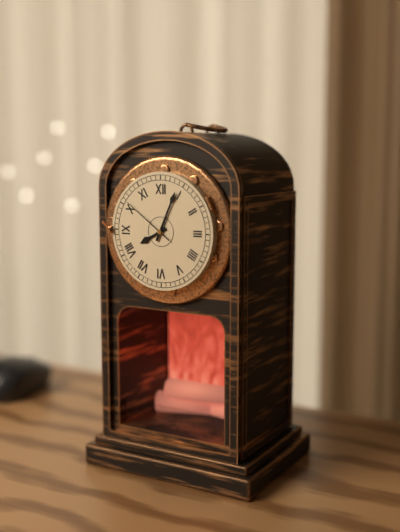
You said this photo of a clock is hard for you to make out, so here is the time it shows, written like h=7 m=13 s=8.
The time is h=8 m=4 s=51
